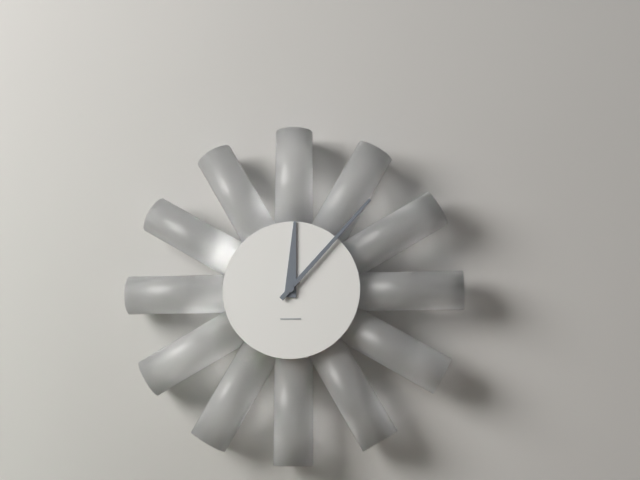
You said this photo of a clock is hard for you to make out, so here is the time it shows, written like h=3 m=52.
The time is h=12 m=7
